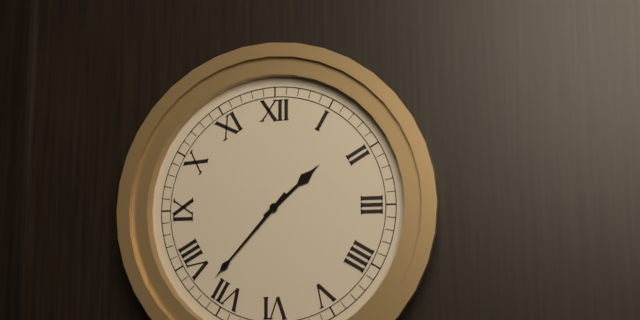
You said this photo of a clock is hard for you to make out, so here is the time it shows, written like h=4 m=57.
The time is h=1 m=37
